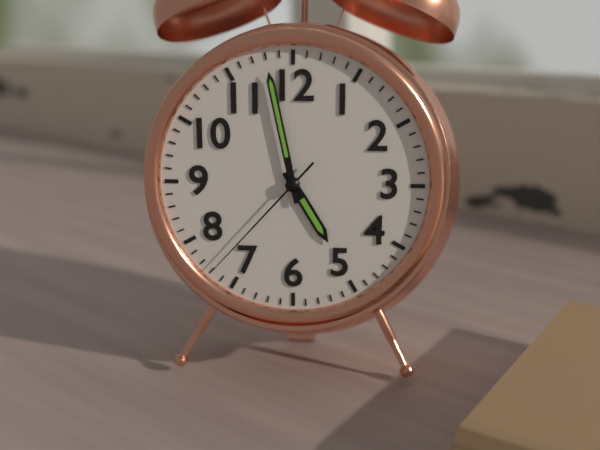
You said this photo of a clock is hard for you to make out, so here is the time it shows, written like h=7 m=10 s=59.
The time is h=4 m=58 s=37
